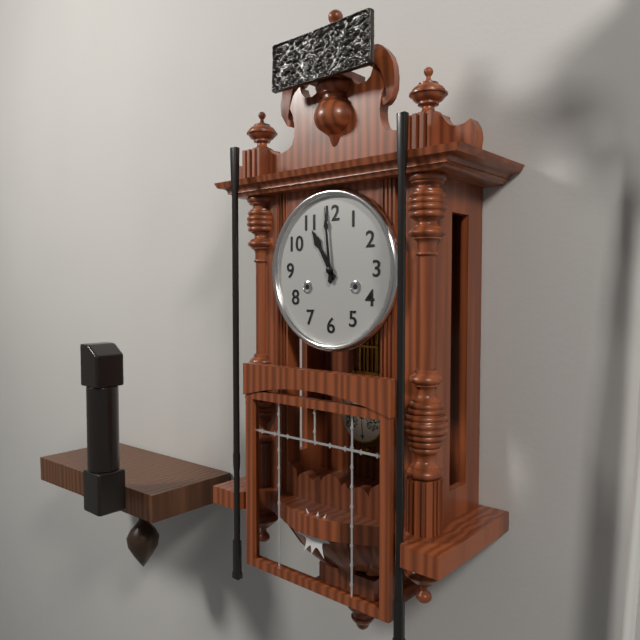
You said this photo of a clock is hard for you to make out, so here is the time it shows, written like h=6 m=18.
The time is h=10 m=59
